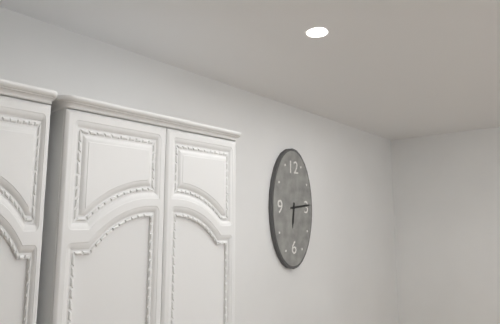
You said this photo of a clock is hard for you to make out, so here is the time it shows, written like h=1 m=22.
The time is h=6 m=14
